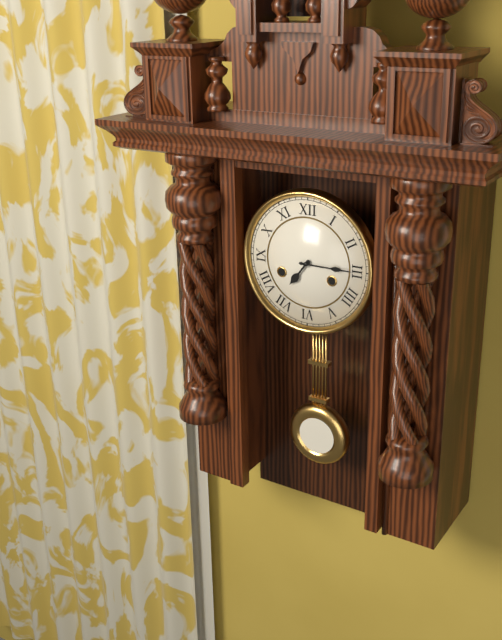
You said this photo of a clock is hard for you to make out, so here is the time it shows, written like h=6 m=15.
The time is h=7 m=15
